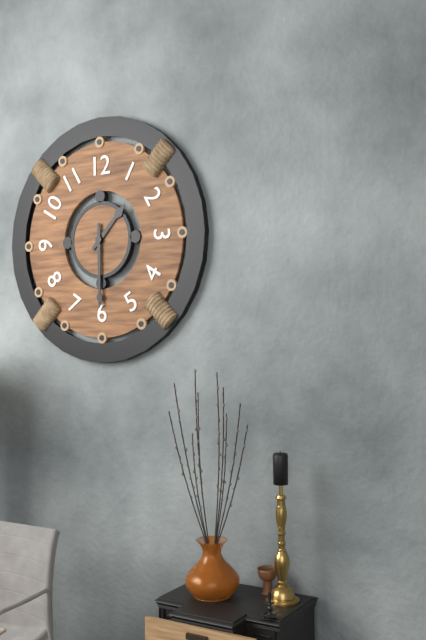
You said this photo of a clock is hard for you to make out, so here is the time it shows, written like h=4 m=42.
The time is h=1 m=30
